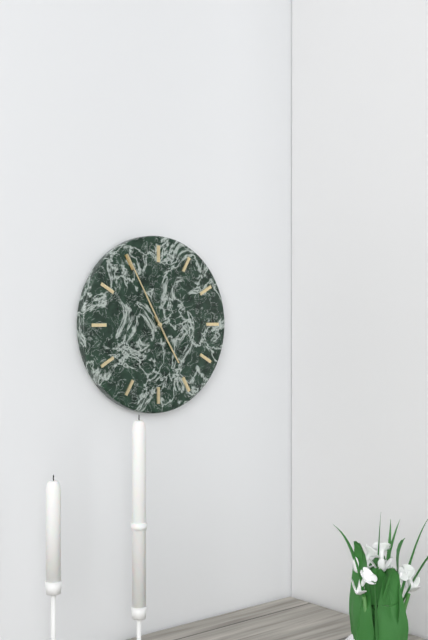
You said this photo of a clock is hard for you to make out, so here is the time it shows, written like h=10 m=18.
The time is h=4 m=55
